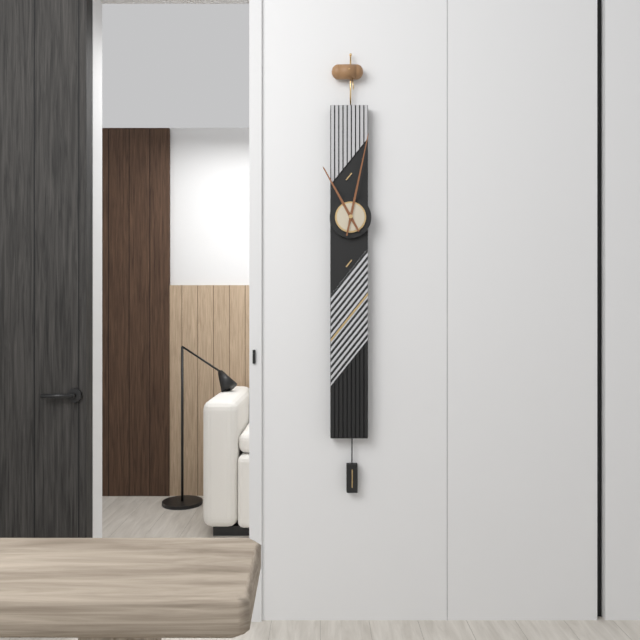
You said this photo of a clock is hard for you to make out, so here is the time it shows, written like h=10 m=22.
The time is h=11 m=2
